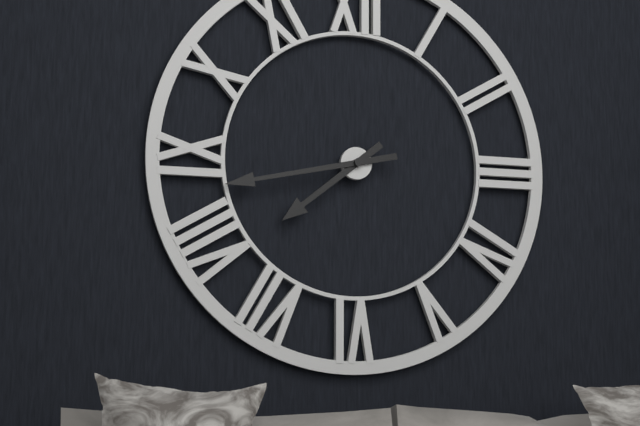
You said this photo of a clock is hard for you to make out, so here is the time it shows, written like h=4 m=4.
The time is h=7 m=43
